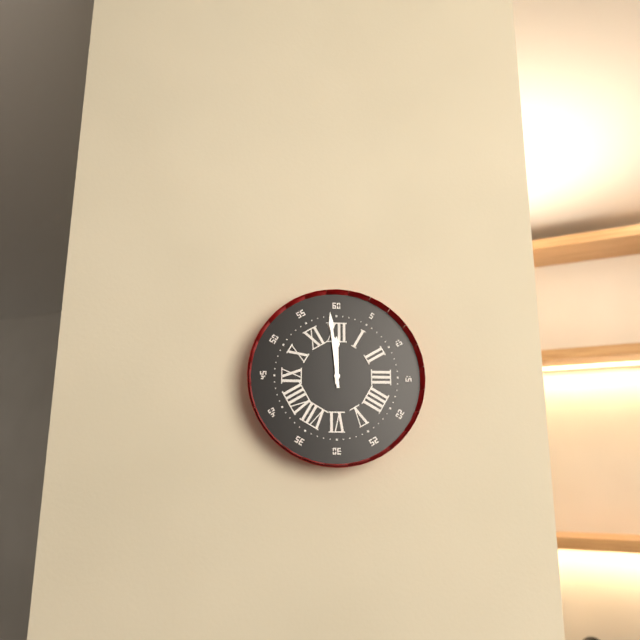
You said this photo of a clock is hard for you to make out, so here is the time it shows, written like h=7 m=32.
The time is h=11 m=59
